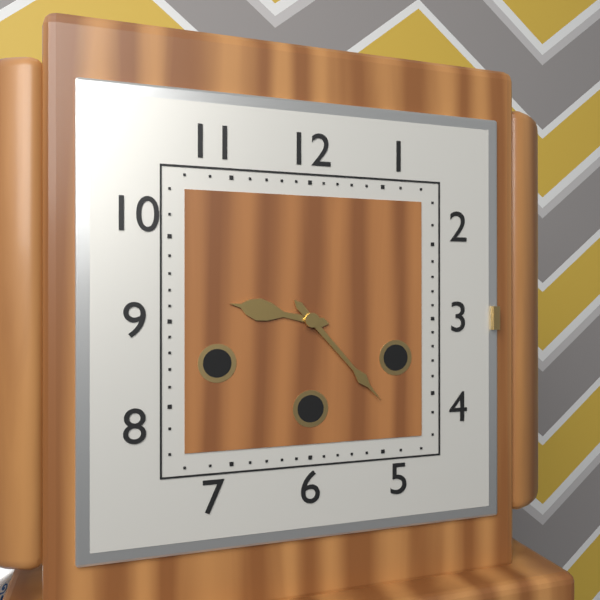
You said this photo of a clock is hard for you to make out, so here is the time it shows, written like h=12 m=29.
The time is h=9 m=23
